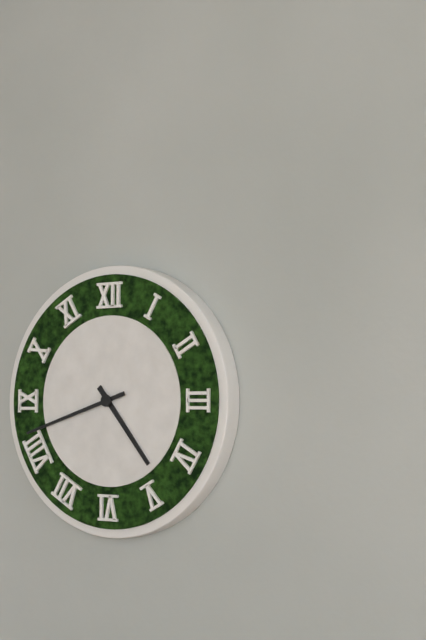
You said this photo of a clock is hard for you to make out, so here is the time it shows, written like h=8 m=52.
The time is h=4 m=42
